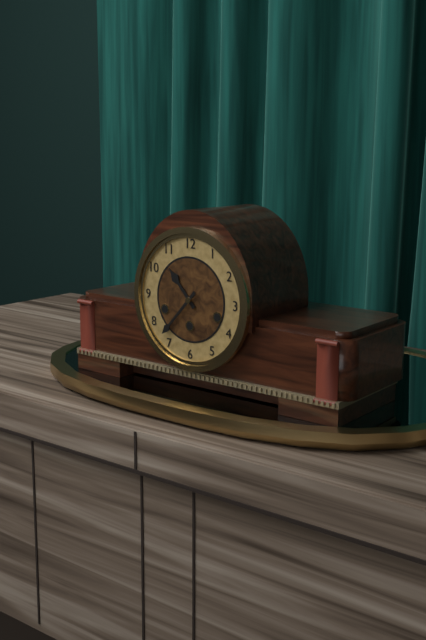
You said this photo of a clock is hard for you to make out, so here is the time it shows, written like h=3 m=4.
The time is h=10 m=37
